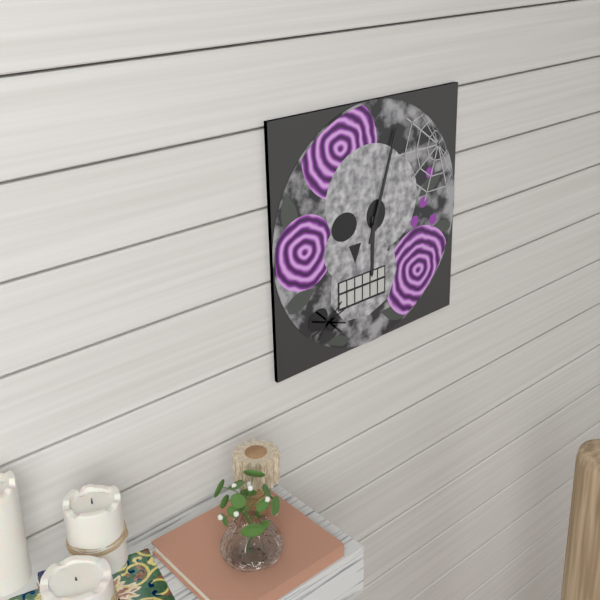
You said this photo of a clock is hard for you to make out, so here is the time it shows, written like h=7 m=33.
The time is h=6 m=3
